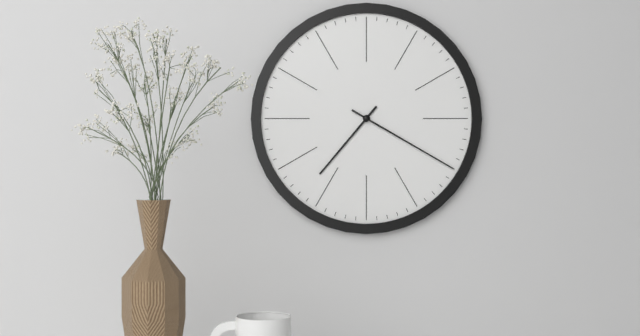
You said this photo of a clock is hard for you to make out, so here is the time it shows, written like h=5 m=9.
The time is h=7 m=20
